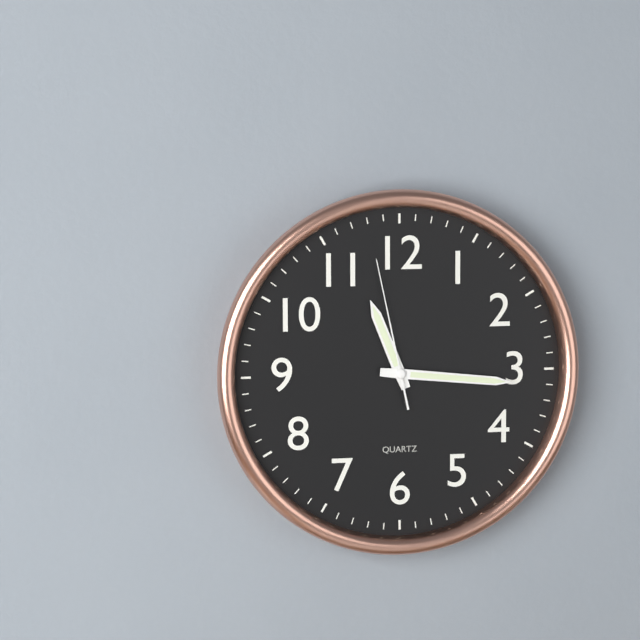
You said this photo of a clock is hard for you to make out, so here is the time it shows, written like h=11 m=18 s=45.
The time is h=11 m=16 s=58
